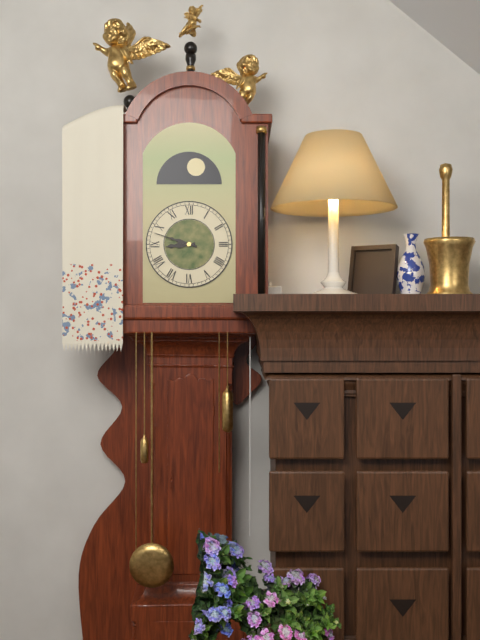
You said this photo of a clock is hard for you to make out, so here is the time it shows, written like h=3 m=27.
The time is h=8 m=48
